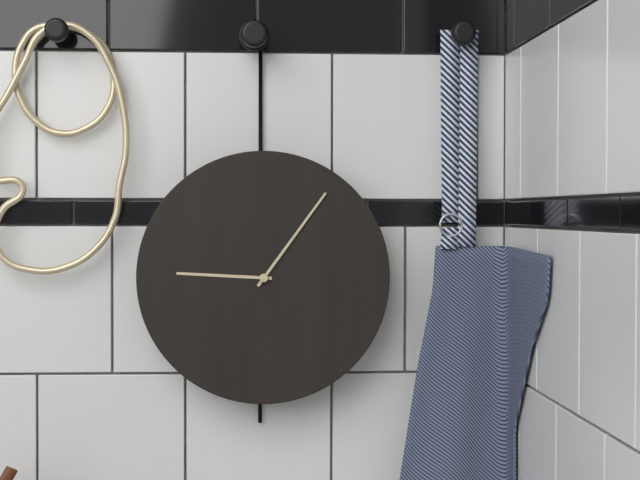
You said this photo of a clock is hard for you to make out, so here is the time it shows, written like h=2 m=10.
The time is h=9 m=6
